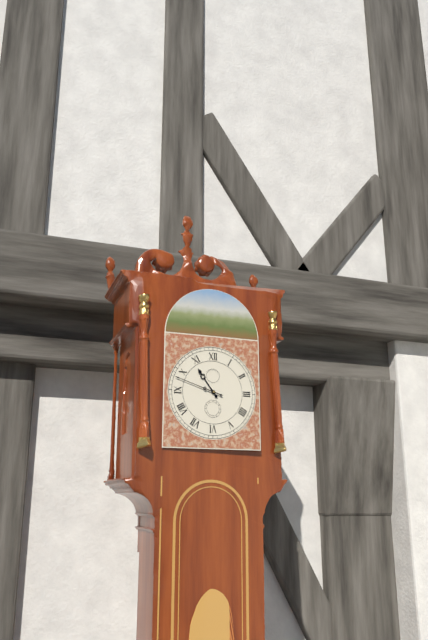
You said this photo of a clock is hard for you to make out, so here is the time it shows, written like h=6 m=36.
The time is h=10 m=48
